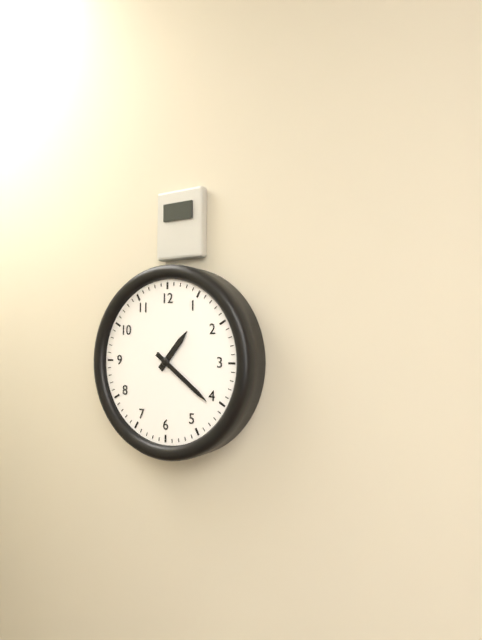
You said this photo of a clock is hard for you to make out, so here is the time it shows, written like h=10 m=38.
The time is h=1 m=21
